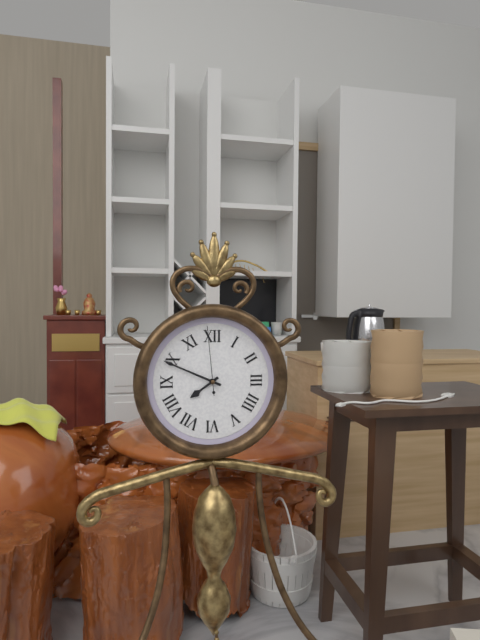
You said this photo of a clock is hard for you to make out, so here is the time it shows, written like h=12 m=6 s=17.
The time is h=7 m=49 s=59
